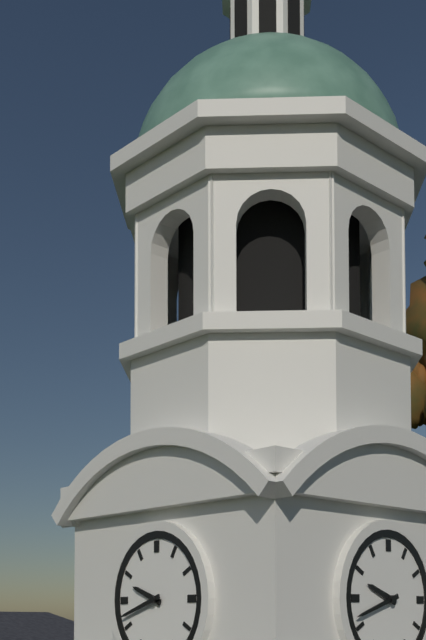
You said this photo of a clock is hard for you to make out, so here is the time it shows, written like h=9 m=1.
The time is h=9 m=42
